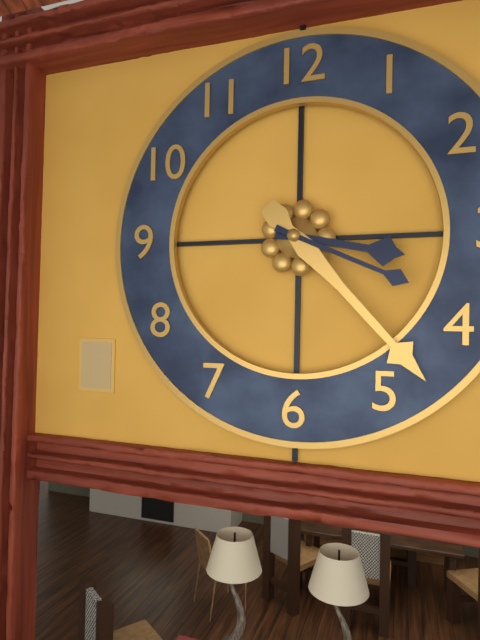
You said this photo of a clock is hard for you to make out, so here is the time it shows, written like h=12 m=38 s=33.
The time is h=3 m=23 s=19
